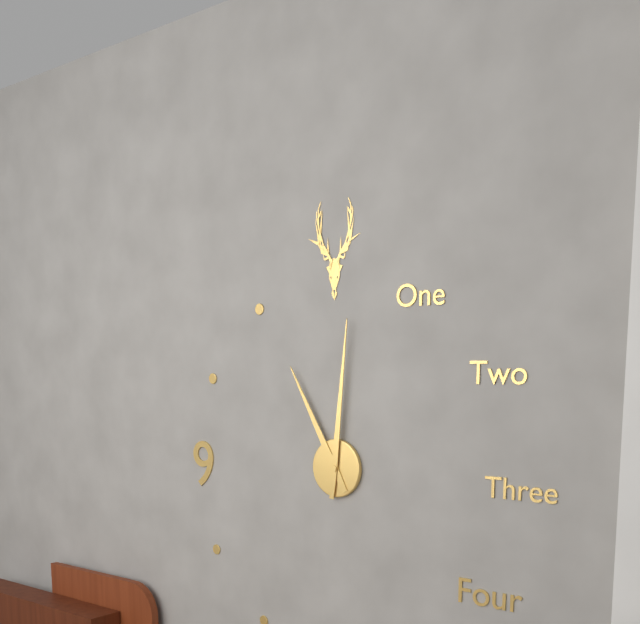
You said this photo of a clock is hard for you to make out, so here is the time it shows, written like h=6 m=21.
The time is h=11 m=1
